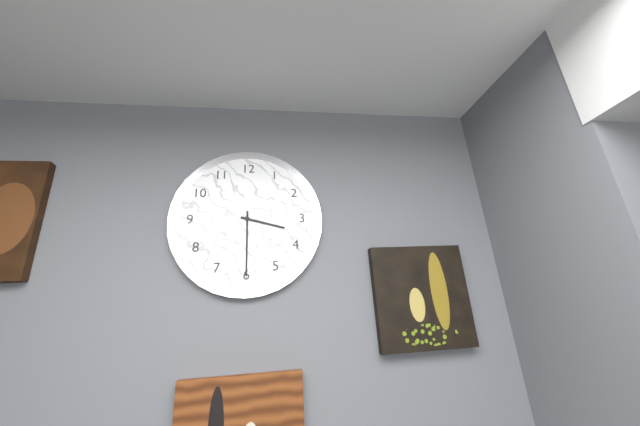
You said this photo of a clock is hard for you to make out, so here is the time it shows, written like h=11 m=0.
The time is h=3 m=30
